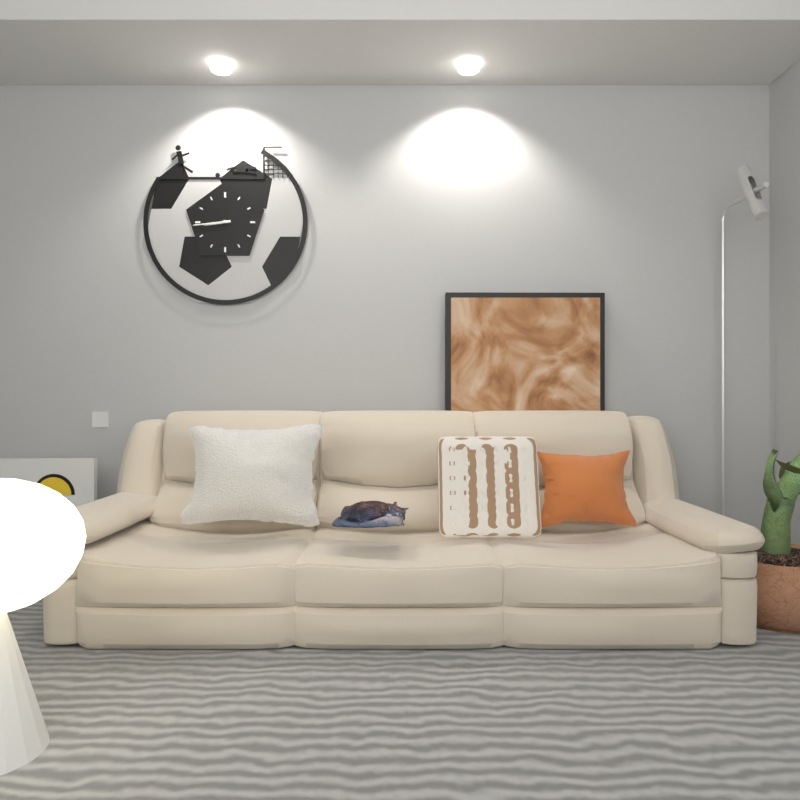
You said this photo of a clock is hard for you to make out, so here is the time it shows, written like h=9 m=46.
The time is h=8 m=44
